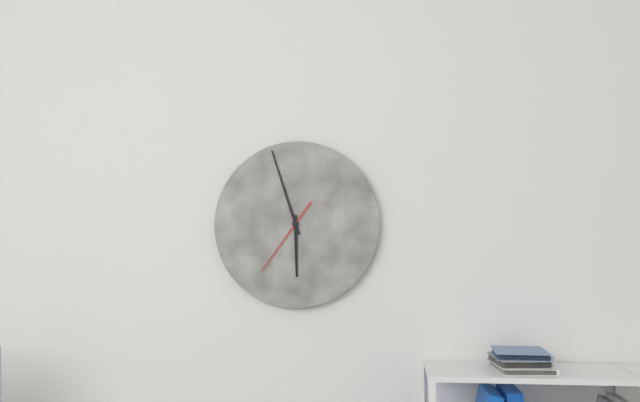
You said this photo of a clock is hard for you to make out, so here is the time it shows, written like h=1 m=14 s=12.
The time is h=5 m=57 s=36
